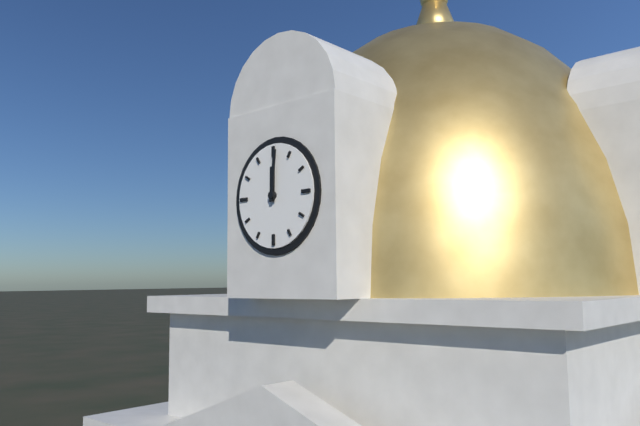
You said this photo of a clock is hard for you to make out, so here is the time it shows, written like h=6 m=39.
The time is h=12 m=1
